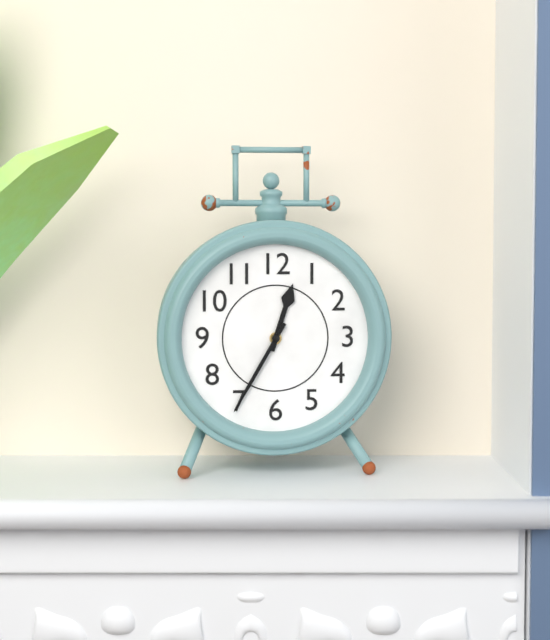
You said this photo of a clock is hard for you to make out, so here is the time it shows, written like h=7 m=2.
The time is h=12 m=35
